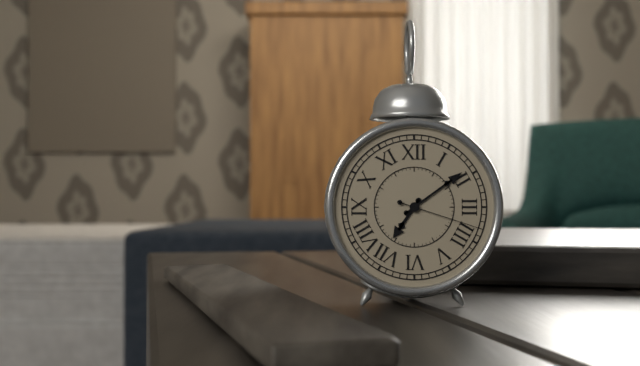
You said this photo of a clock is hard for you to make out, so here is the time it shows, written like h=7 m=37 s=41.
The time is h=7 m=9 s=18
